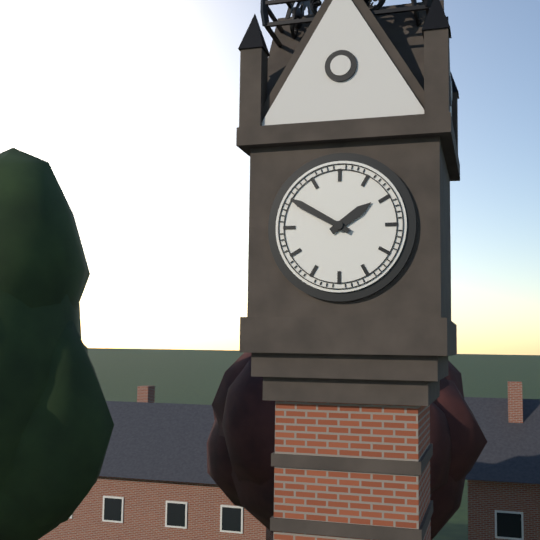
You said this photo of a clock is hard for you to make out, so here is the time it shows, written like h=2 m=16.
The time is h=1 m=50
